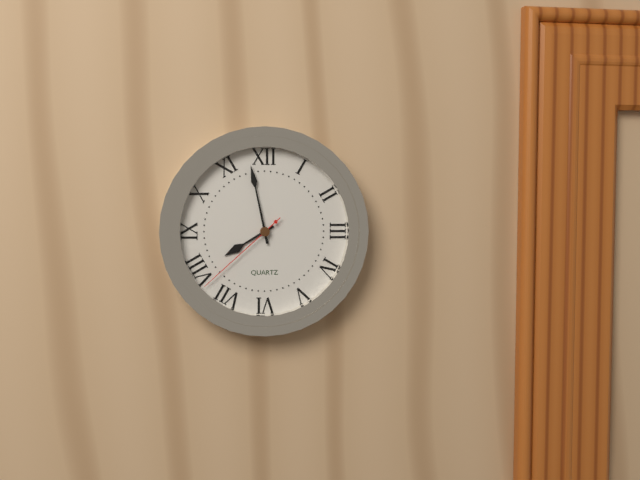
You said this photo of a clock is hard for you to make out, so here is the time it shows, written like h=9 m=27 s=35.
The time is h=7 m=58 s=38
